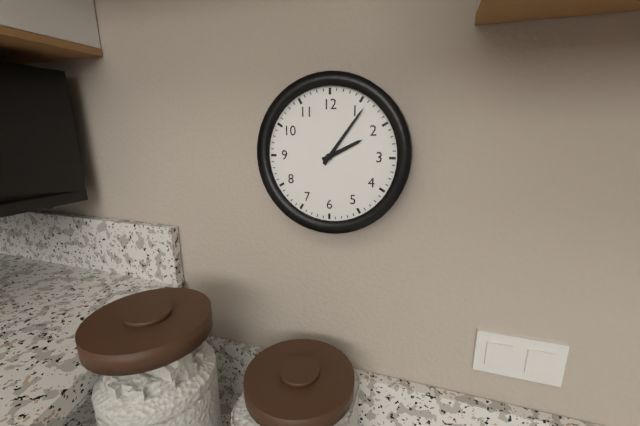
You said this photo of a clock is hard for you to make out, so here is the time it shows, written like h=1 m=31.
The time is h=2 m=6
